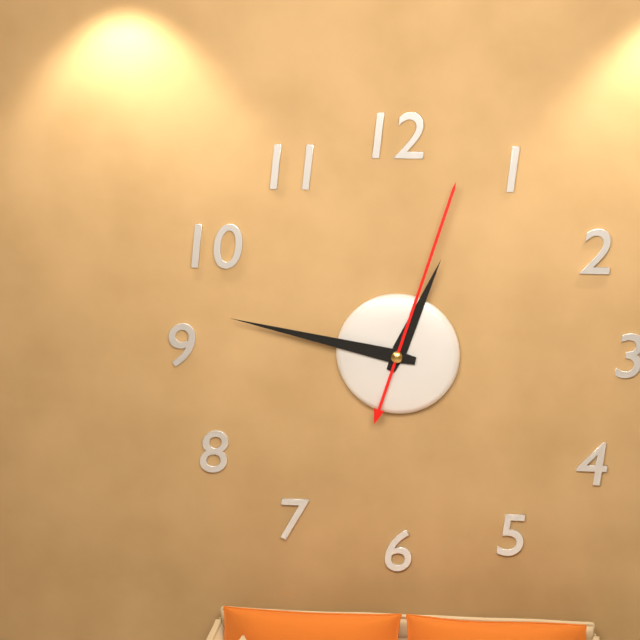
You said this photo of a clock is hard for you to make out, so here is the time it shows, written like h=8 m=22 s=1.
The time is h=12 m=47 s=3
